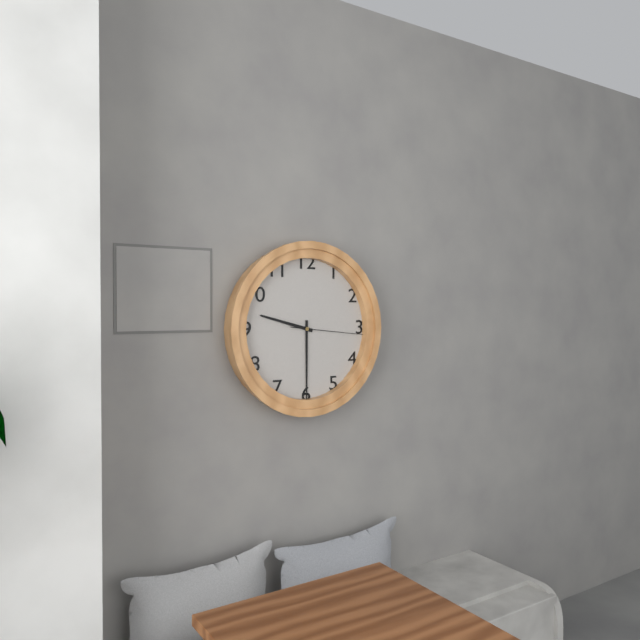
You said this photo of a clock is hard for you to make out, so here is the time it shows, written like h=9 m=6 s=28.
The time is h=9 m=30 s=16
